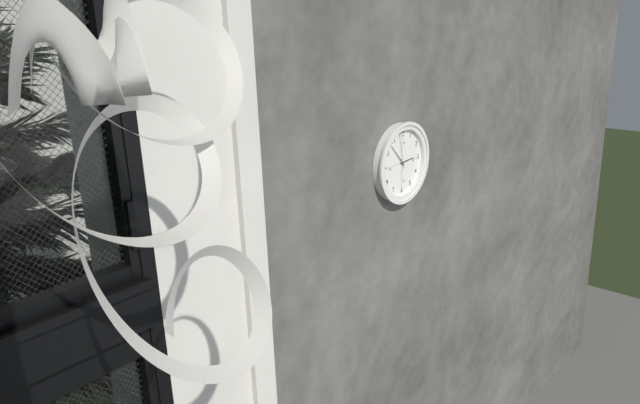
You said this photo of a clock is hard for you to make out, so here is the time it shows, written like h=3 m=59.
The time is h=2 m=53
